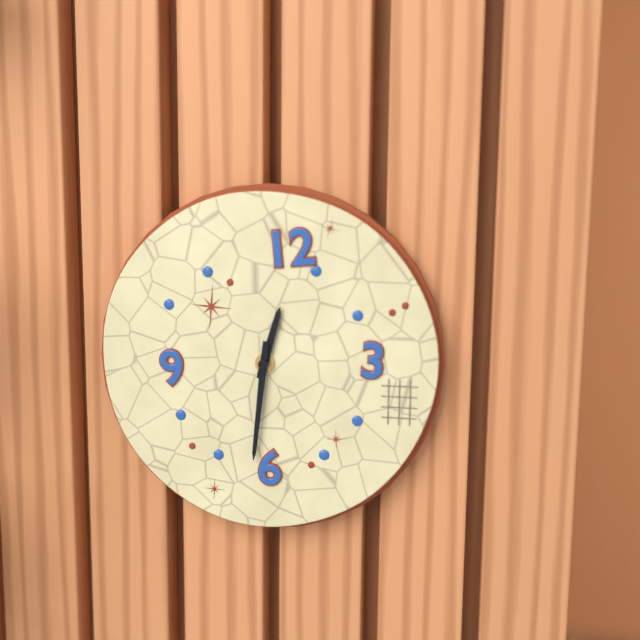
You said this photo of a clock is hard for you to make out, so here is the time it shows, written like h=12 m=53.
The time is h=12 m=31
